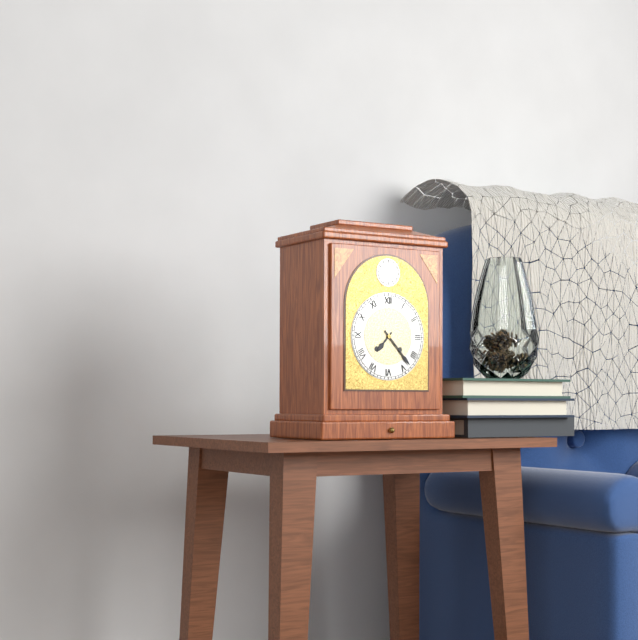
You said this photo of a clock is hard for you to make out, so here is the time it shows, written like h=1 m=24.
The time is h=7 m=23
